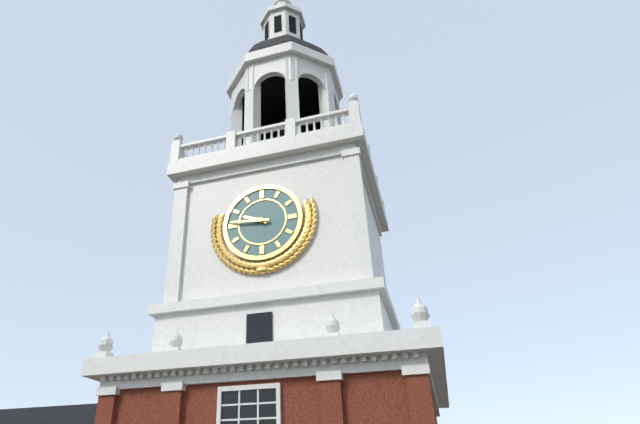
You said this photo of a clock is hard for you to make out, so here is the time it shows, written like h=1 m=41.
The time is h=9 m=46
